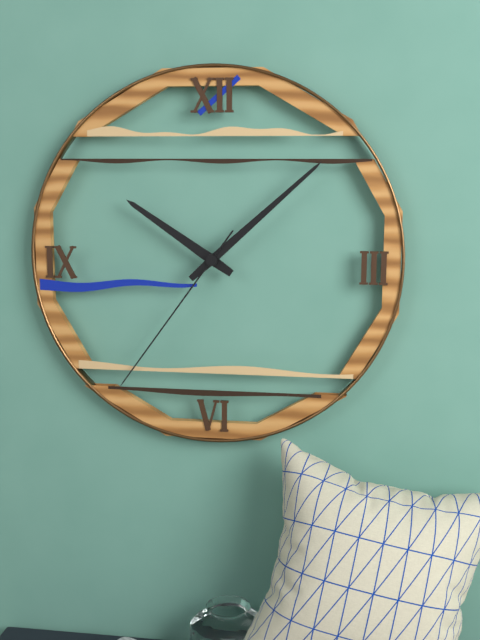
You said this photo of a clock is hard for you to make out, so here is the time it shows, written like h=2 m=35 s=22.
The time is h=10 m=8 s=36
